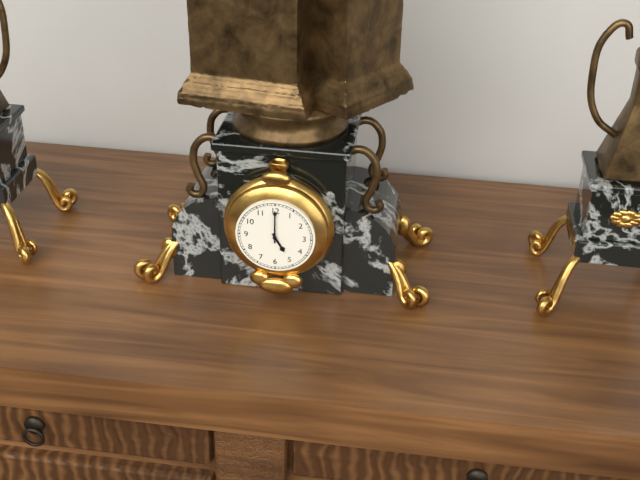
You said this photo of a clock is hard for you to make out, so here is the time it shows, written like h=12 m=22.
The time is h=5 m=0
